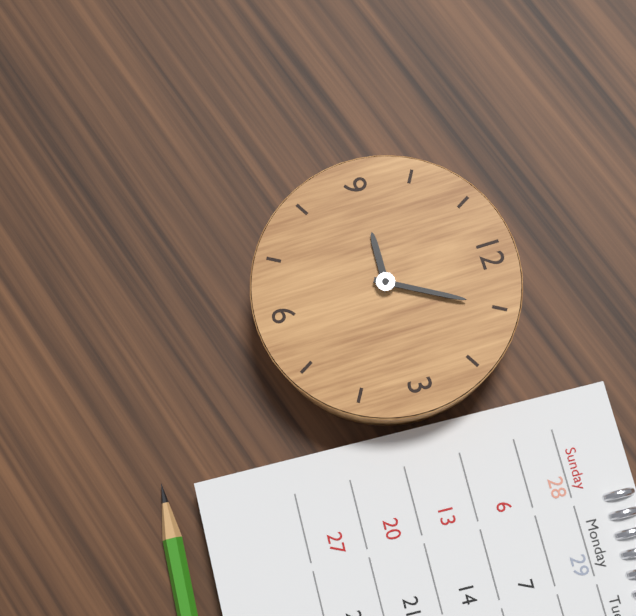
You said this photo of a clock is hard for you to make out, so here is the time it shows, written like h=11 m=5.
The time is h=9 m=5
